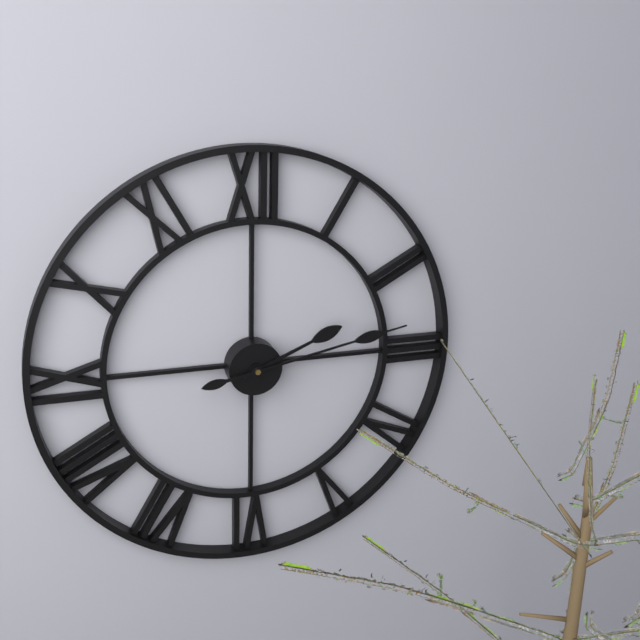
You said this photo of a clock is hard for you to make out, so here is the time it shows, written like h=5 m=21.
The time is h=2 m=13
